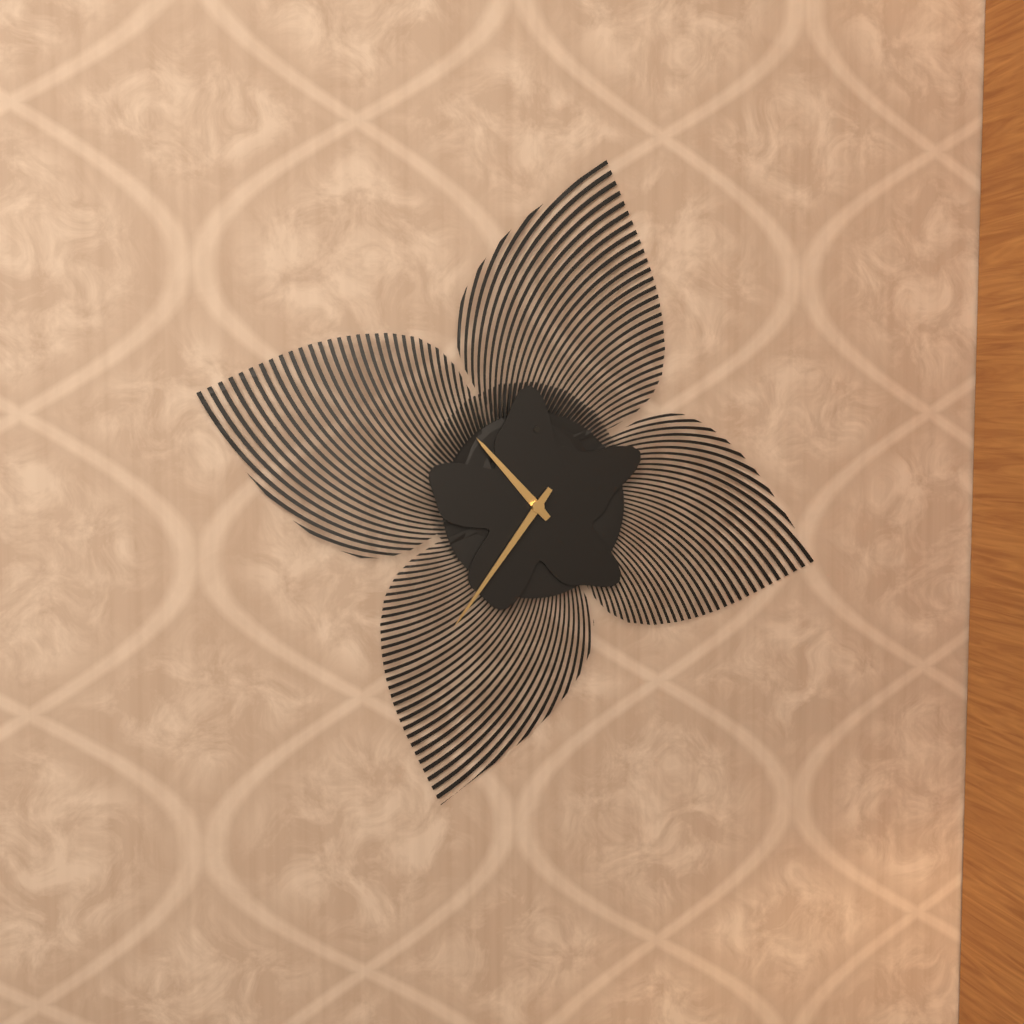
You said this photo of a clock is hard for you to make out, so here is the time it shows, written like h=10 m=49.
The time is h=10 m=36
